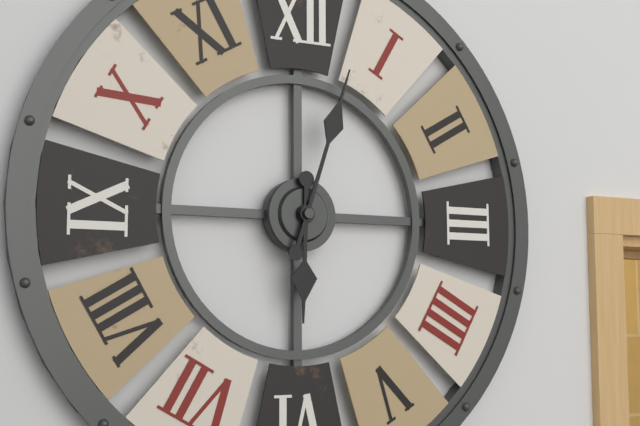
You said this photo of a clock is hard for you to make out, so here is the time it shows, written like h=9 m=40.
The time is h=6 m=3
